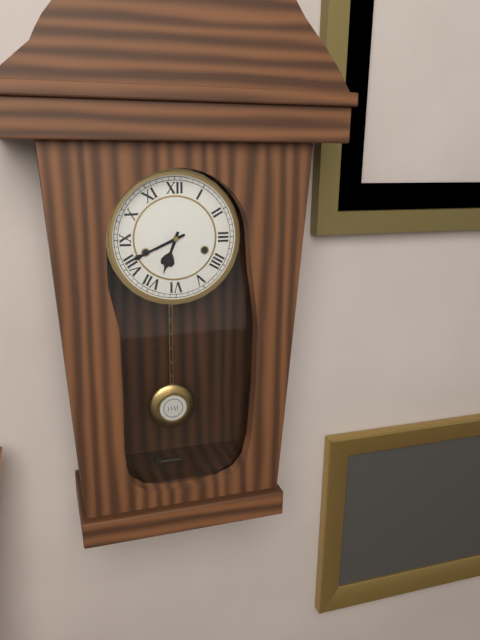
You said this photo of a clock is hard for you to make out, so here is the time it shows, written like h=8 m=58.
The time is h=6 m=41
